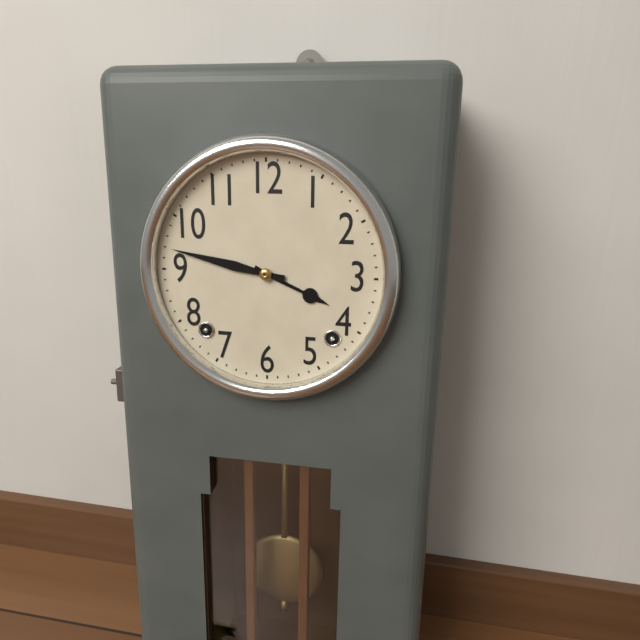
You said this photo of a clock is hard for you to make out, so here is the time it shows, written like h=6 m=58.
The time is h=3 m=47
